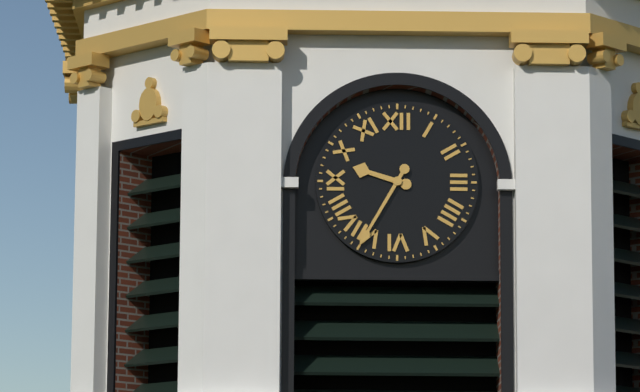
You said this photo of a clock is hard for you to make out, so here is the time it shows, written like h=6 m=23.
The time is h=9 m=35
